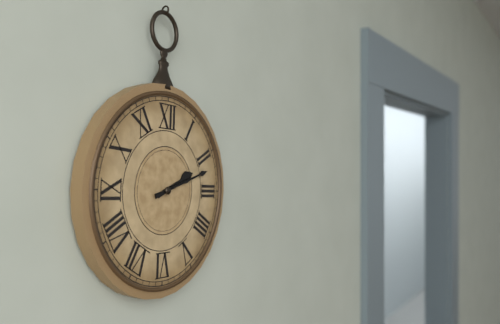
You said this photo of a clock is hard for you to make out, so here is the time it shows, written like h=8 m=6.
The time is h=2 m=12
